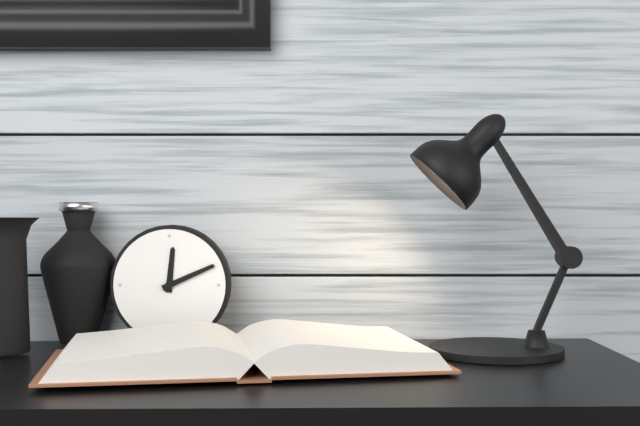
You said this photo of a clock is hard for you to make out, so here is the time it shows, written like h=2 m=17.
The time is h=12 m=11
